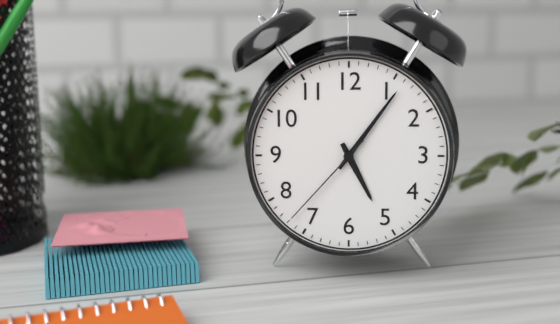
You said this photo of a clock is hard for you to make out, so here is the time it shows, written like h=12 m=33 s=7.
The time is h=5 m=6 s=37
